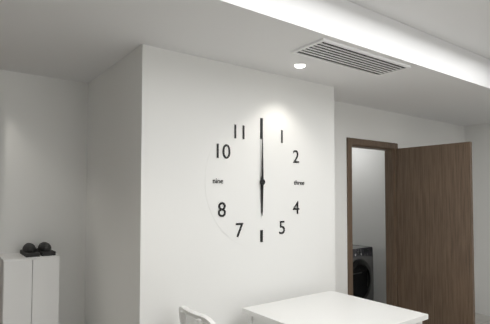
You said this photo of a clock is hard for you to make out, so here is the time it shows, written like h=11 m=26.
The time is h=6 m=0
